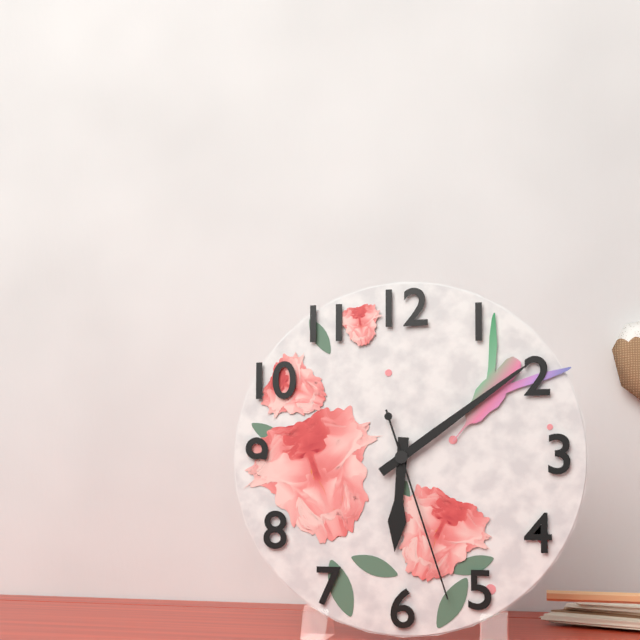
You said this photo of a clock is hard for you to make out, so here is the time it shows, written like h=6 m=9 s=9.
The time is h=6 m=9 s=27
